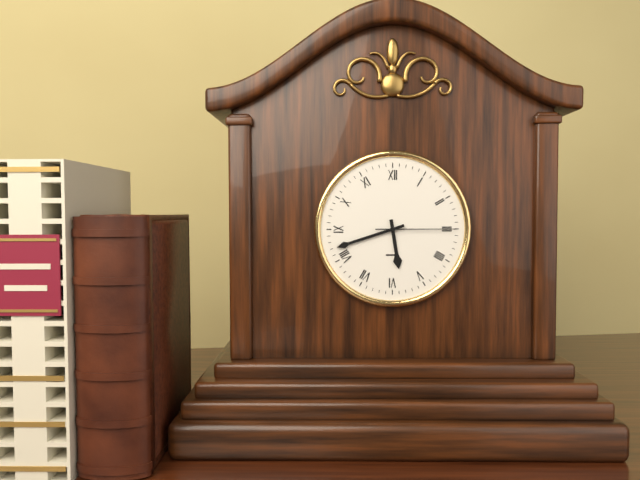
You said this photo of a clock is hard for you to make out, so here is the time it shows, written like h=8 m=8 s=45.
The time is h=5 m=42 s=15
